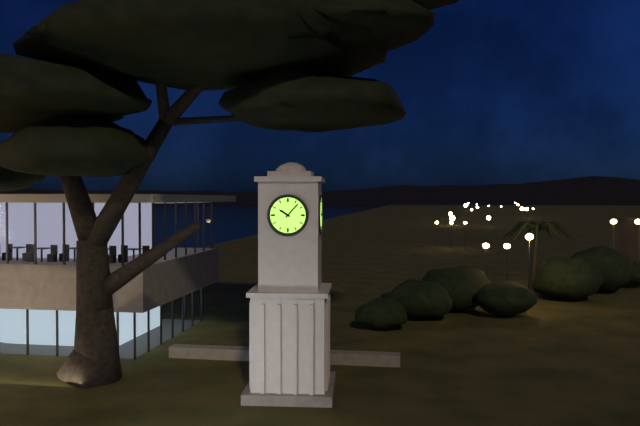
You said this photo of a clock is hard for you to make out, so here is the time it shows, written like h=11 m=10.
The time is h=10 m=7
